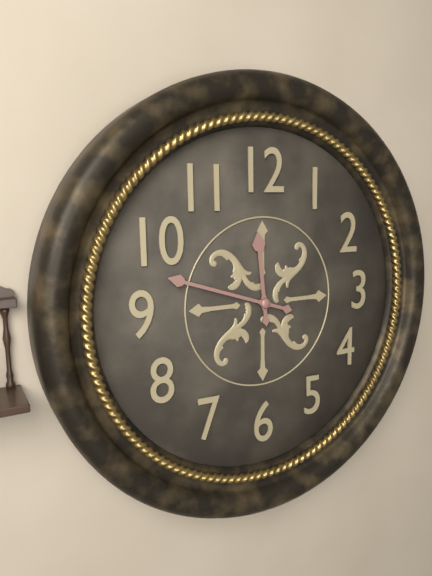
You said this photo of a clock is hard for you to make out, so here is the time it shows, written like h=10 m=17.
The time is h=11 m=48
